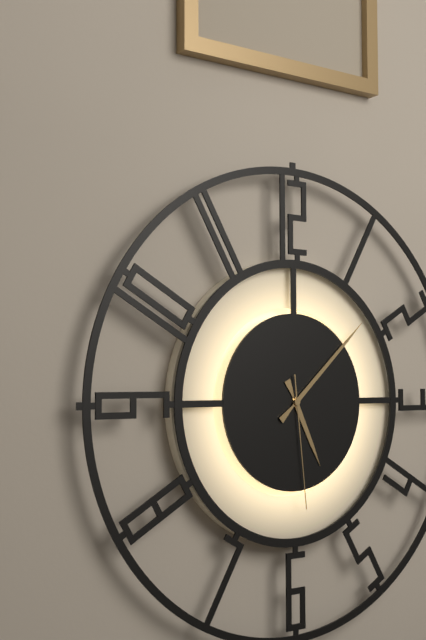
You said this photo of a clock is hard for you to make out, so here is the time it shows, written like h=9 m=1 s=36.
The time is h=5 m=8 s=29
